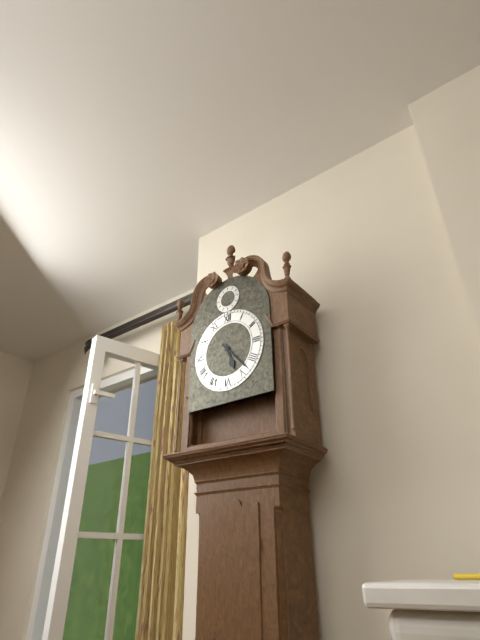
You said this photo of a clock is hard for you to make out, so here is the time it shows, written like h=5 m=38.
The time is h=5 m=23
